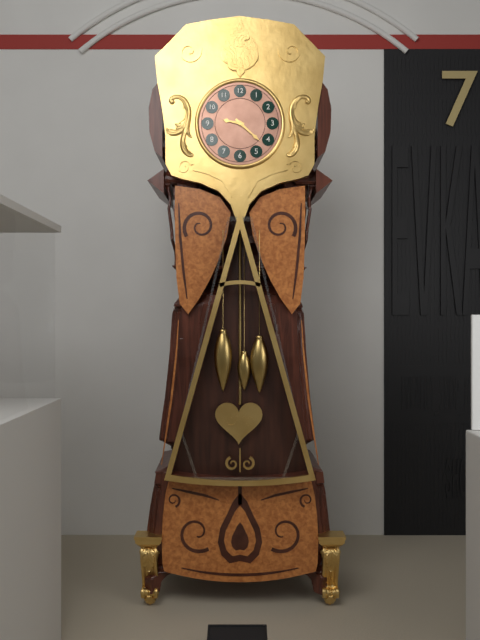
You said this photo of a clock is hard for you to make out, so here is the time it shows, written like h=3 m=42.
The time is h=9 m=22
